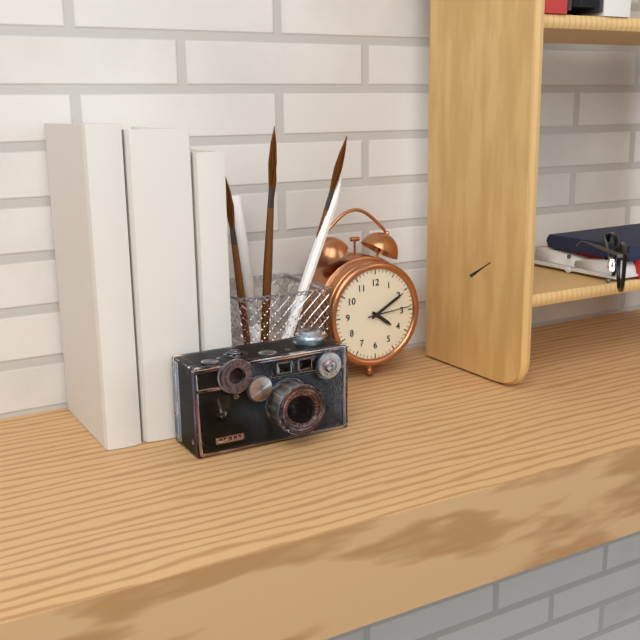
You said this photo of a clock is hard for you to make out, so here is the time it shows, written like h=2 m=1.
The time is h=4 m=10
